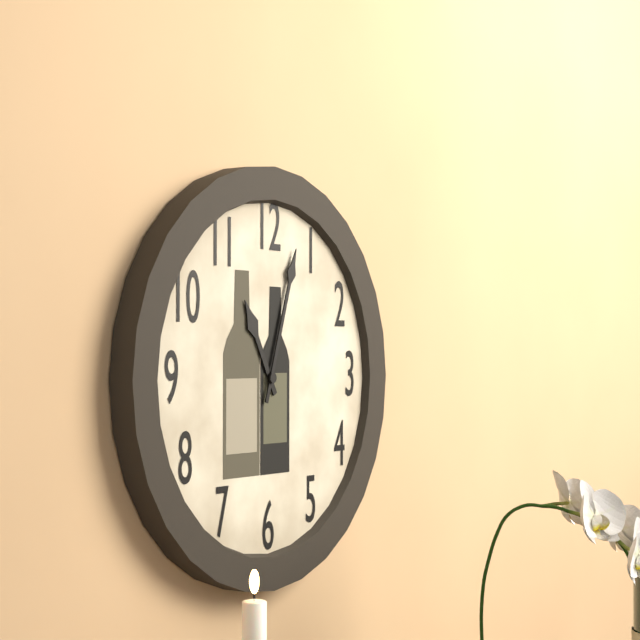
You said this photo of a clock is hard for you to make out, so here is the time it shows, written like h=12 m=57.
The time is h=11 m=3
